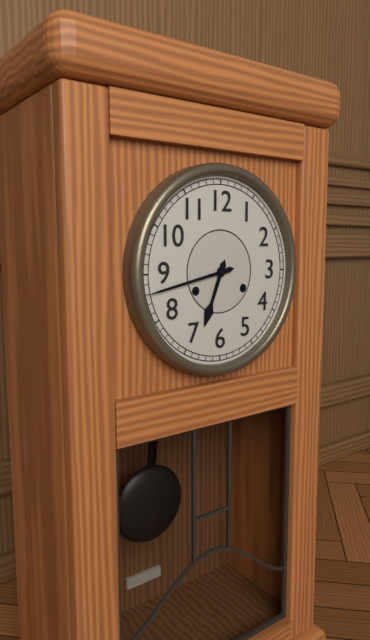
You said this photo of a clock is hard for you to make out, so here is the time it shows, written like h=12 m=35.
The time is h=6 m=43
